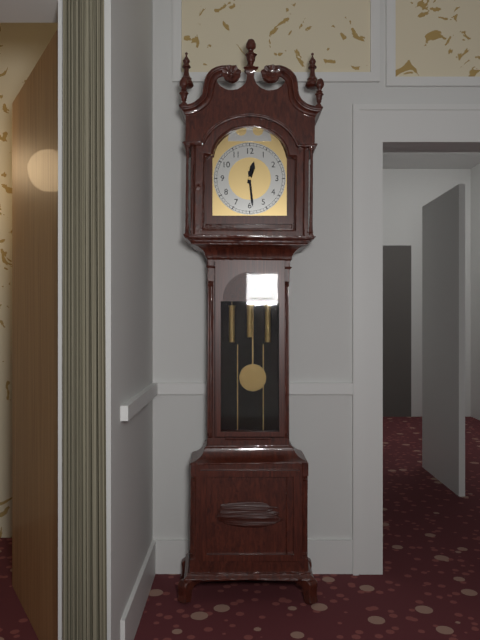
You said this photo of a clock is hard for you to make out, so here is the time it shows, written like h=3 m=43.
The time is h=12 m=29
